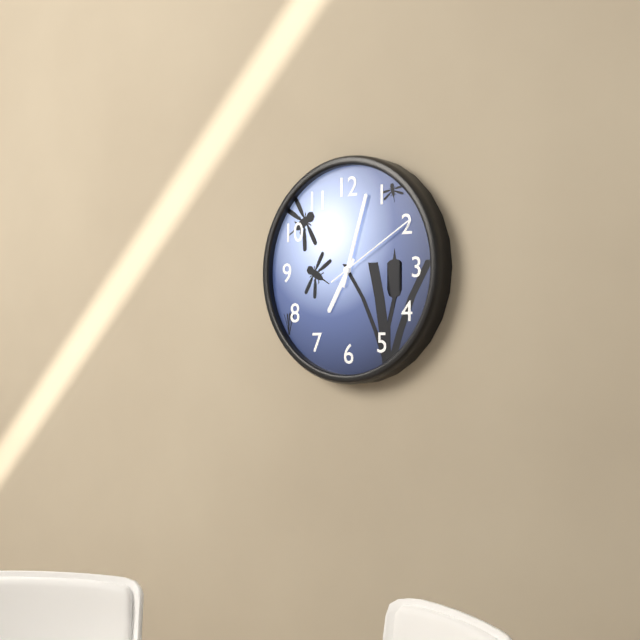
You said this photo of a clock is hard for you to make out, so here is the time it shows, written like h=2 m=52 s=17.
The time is h=7 m=3 s=10
